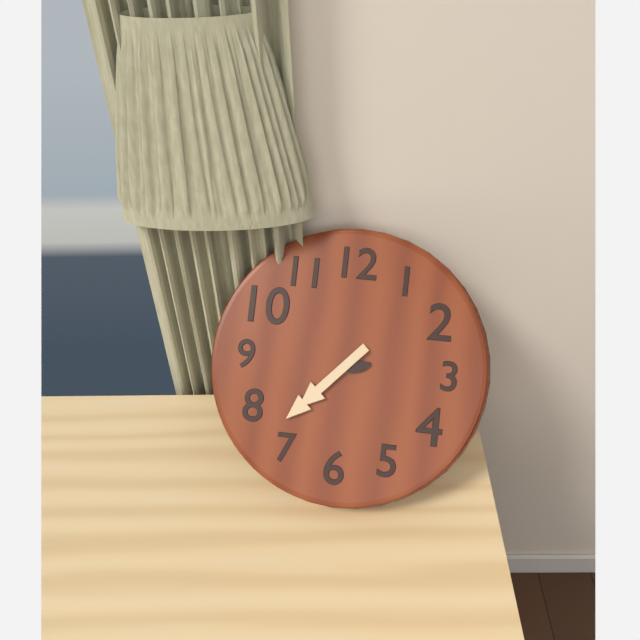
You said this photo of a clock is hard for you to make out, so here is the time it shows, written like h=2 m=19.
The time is h=2 m=37
